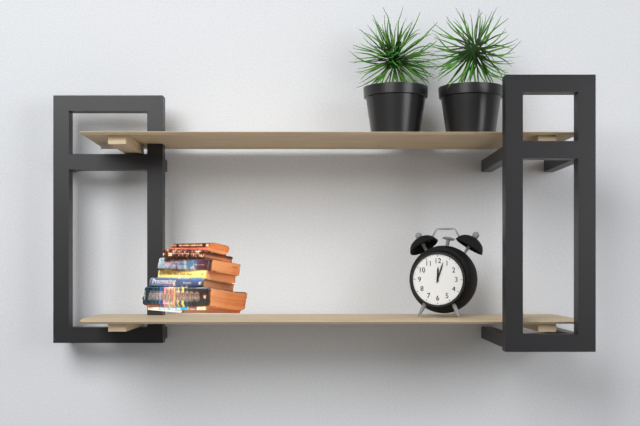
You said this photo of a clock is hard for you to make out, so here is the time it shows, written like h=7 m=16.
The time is h=12 m=3
